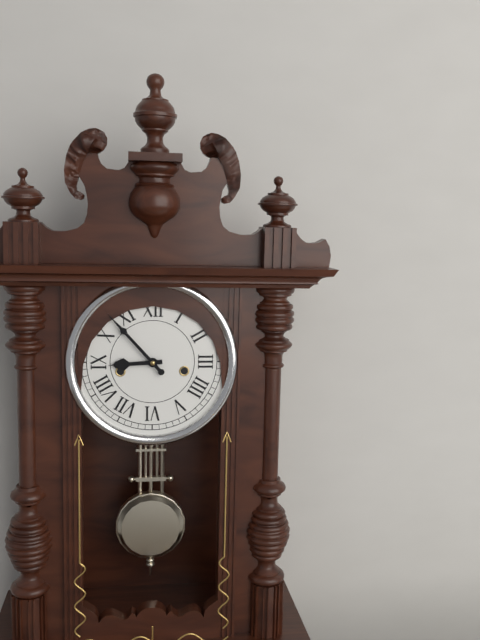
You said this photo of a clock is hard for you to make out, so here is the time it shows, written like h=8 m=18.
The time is h=8 m=53
